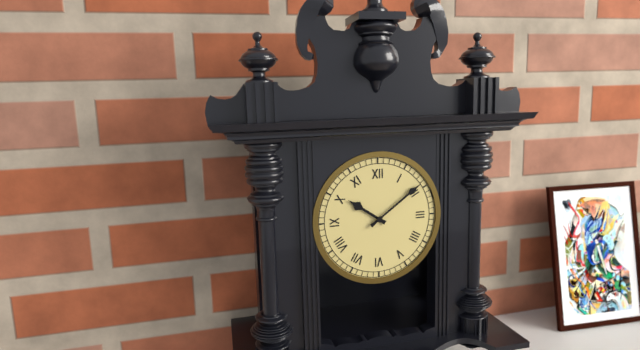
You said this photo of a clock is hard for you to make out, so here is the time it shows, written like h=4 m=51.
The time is h=10 m=9
